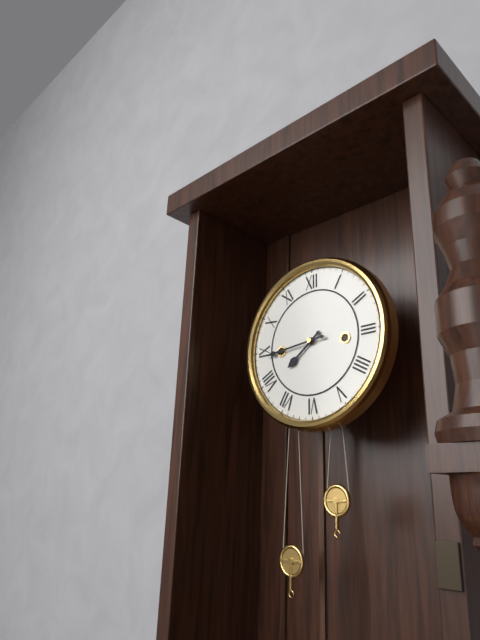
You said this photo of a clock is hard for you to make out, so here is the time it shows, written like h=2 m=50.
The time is h=7 m=44
